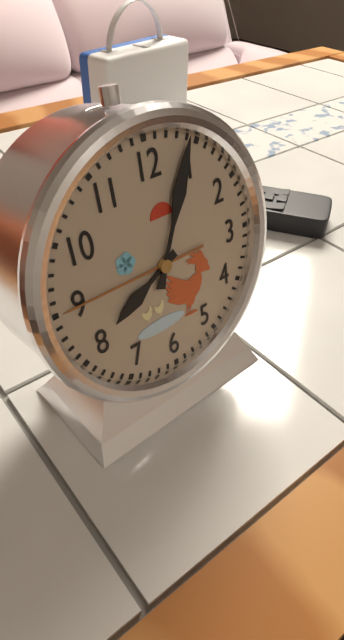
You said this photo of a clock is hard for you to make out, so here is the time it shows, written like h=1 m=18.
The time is h=8 m=4
